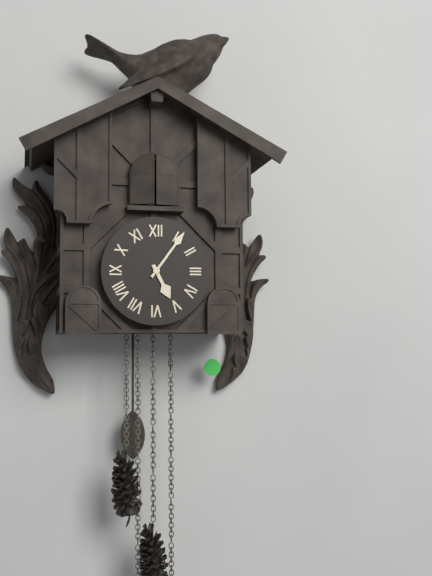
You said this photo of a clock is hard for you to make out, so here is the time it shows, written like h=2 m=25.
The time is h=5 m=6
